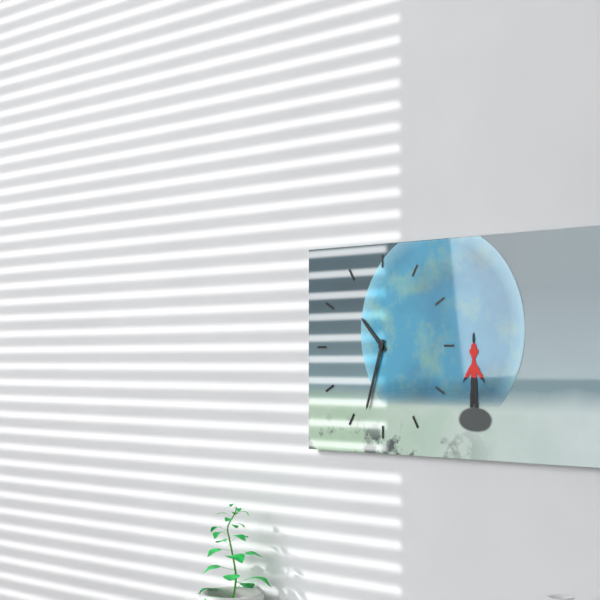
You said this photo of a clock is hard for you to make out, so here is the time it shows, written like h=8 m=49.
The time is h=10 m=33
